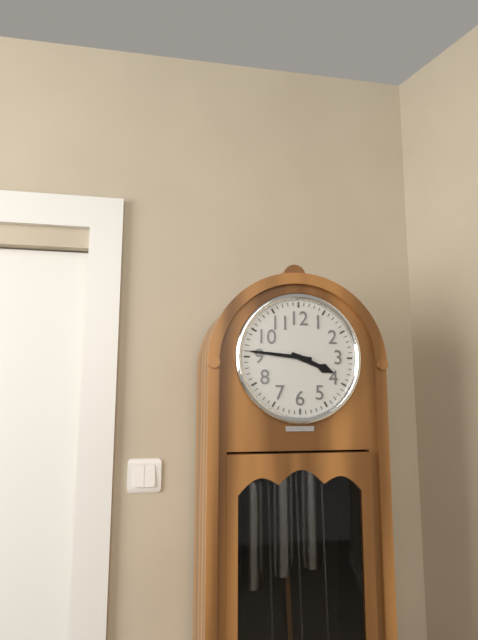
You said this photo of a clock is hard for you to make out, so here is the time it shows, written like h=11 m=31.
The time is h=3 m=46
